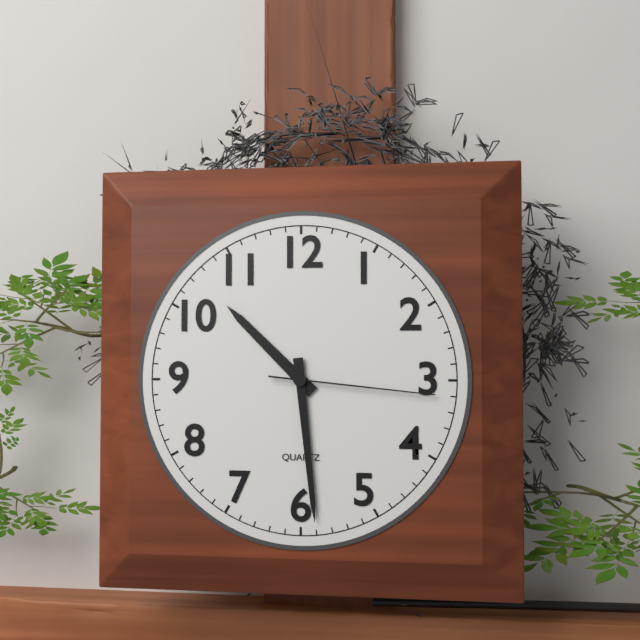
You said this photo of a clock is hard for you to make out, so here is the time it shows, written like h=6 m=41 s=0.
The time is h=10 m=29 s=16
